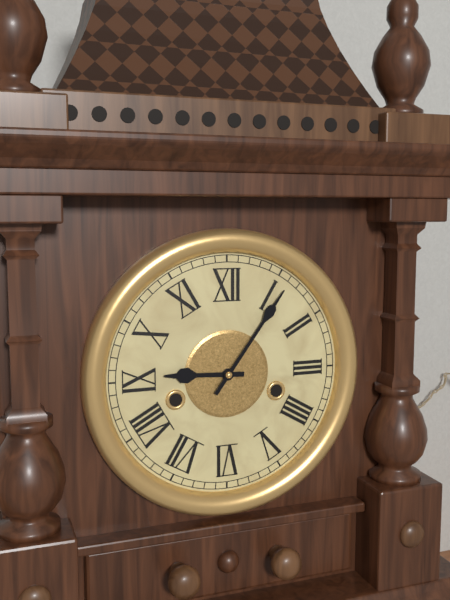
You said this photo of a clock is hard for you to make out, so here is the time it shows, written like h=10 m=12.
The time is h=9 m=6
